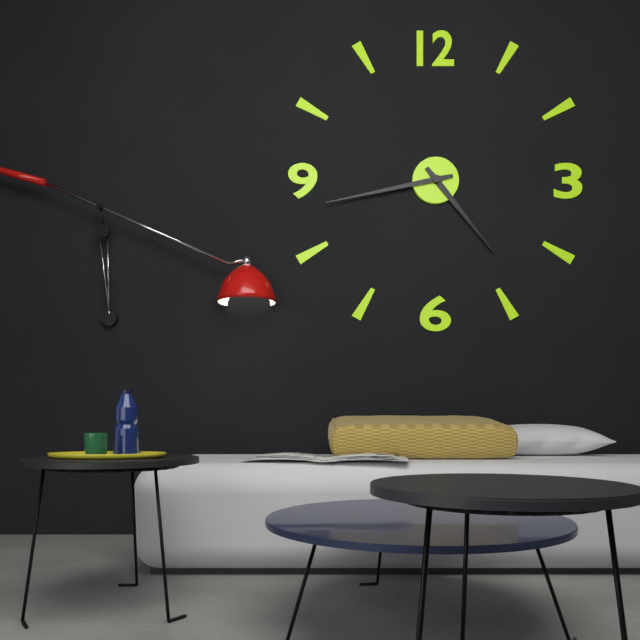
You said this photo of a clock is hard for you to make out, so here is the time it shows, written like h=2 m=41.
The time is h=4 m=43
